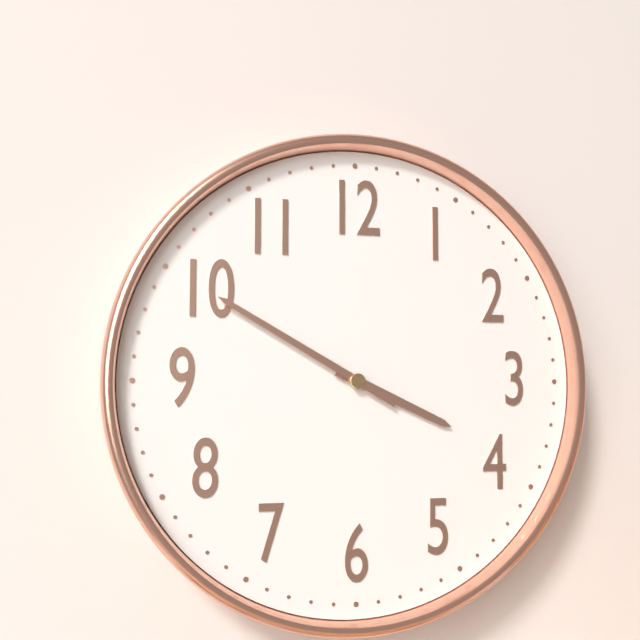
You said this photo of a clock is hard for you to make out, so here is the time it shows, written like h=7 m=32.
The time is h=3 m=50
